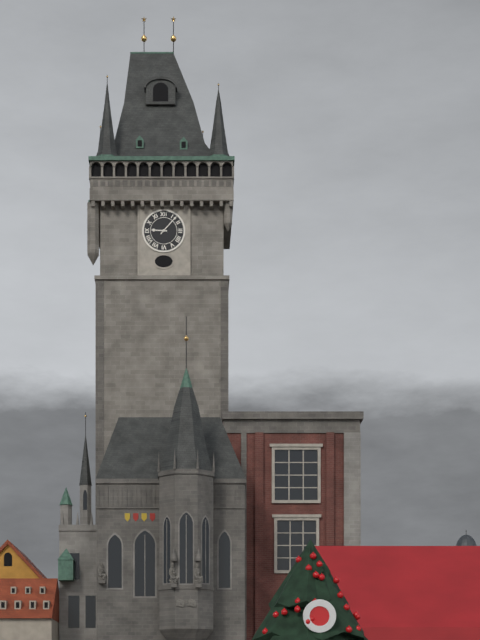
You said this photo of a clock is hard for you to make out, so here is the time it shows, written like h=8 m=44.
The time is h=9 m=7
